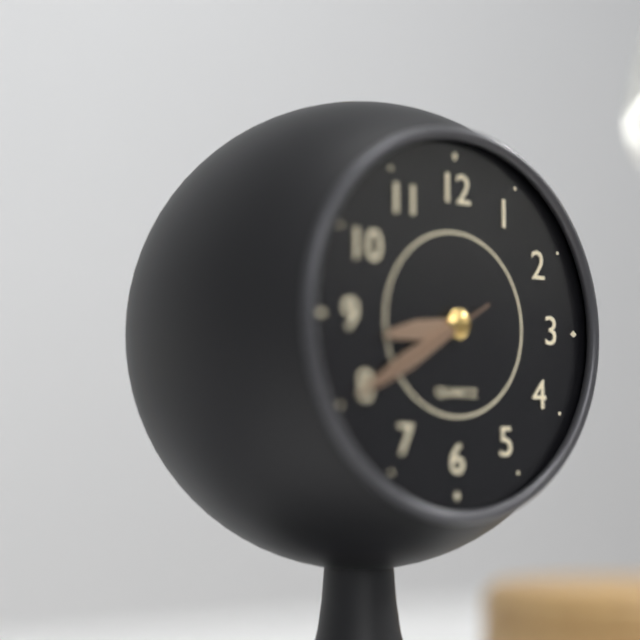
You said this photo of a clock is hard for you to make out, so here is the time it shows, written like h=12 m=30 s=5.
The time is h=8 m=40 s=40
